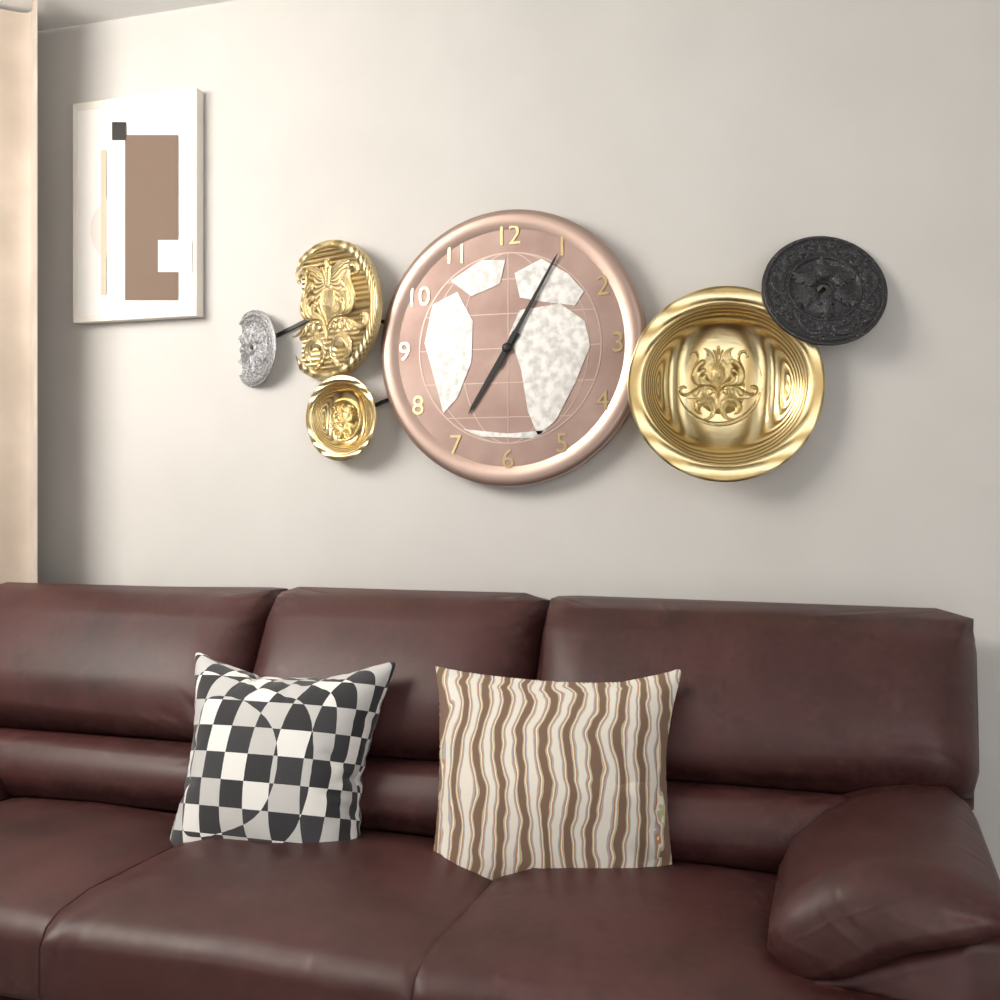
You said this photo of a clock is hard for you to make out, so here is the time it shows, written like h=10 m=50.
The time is h=7 m=5
